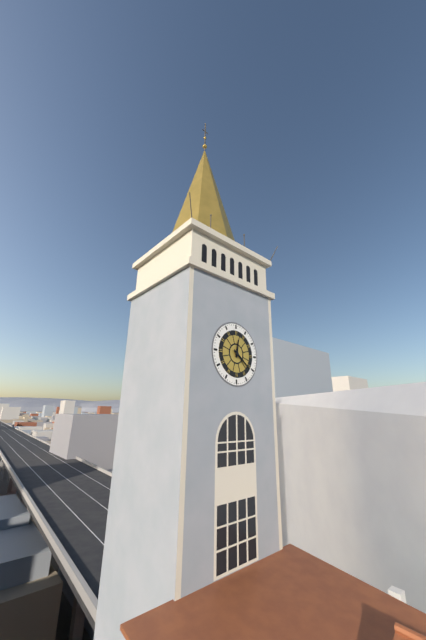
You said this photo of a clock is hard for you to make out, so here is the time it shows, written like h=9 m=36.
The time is h=12 m=21
